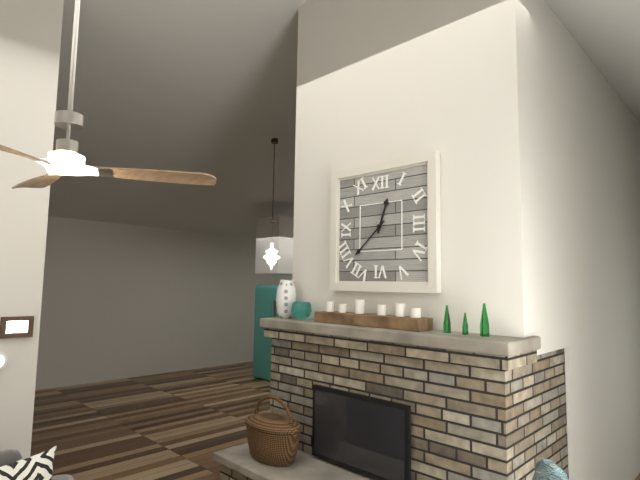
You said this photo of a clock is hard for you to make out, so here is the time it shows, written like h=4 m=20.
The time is h=12 m=38
